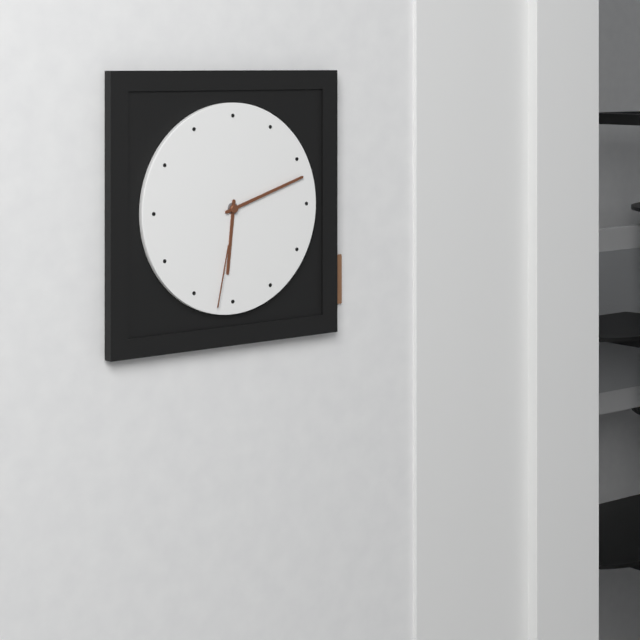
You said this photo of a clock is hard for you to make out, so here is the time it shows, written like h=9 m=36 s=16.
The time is h=6 m=12 s=32
